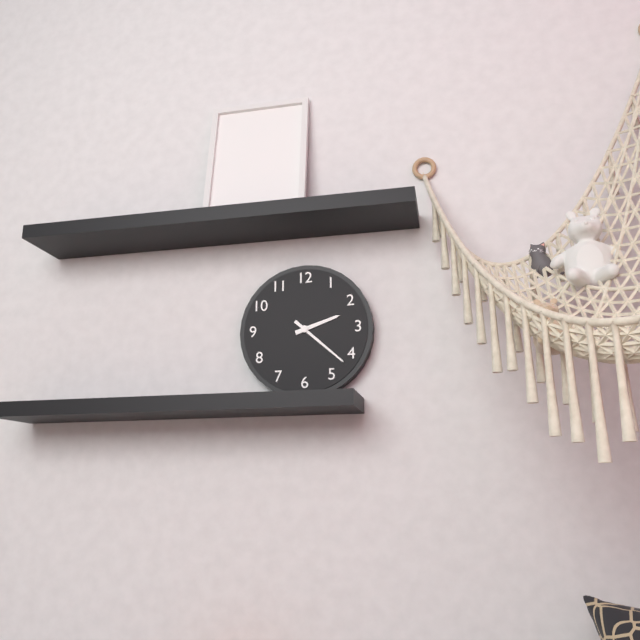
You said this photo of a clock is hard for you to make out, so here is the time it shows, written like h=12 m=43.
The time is h=2 m=22
